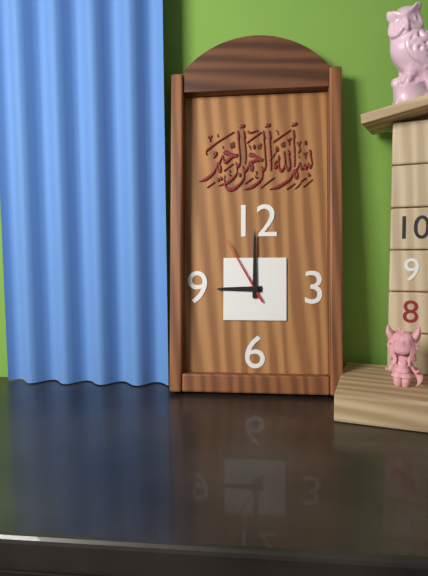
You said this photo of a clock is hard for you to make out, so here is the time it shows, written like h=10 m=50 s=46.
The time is h=9 m=0 s=55
